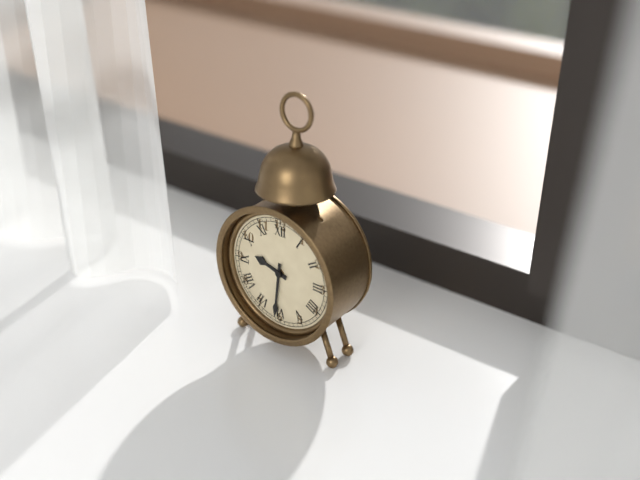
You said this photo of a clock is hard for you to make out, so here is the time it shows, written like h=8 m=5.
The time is h=9 m=31
